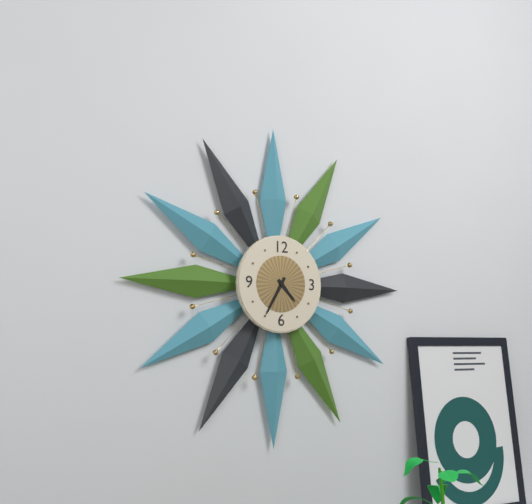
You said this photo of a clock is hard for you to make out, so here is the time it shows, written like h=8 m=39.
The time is h=4 m=35
